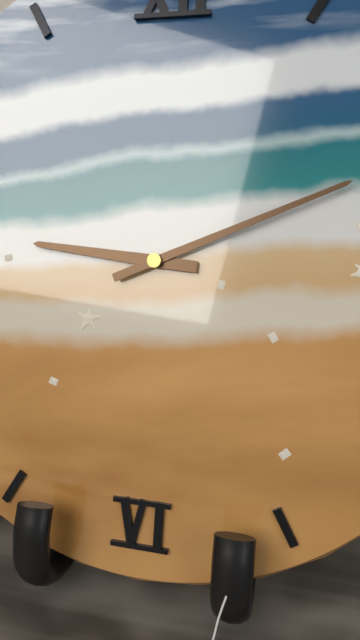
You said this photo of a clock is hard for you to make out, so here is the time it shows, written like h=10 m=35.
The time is h=9 m=11
